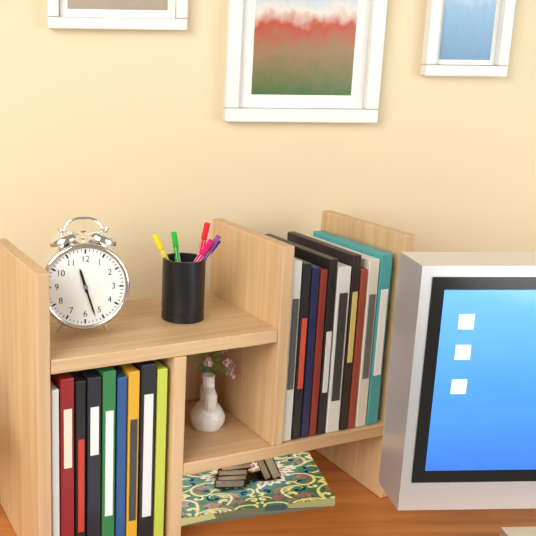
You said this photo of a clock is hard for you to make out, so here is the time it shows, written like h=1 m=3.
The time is h=11 m=27
